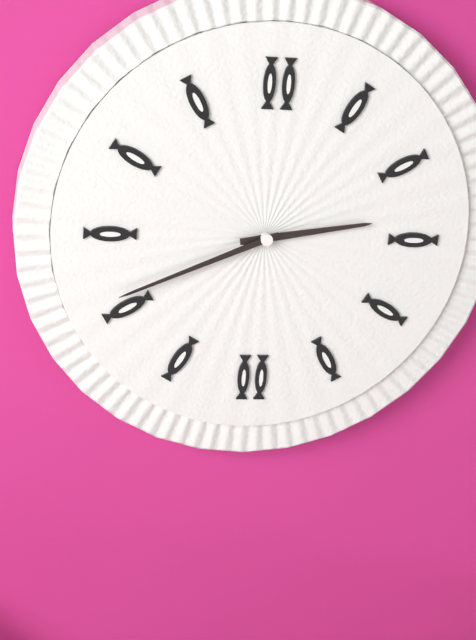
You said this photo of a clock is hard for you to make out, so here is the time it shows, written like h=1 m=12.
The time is h=2 m=41
